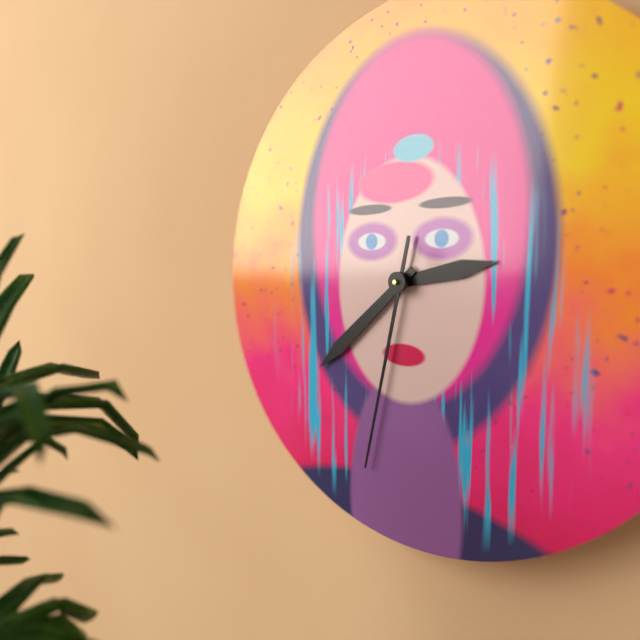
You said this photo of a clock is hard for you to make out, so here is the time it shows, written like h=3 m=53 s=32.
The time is h=2 m=38 s=32
